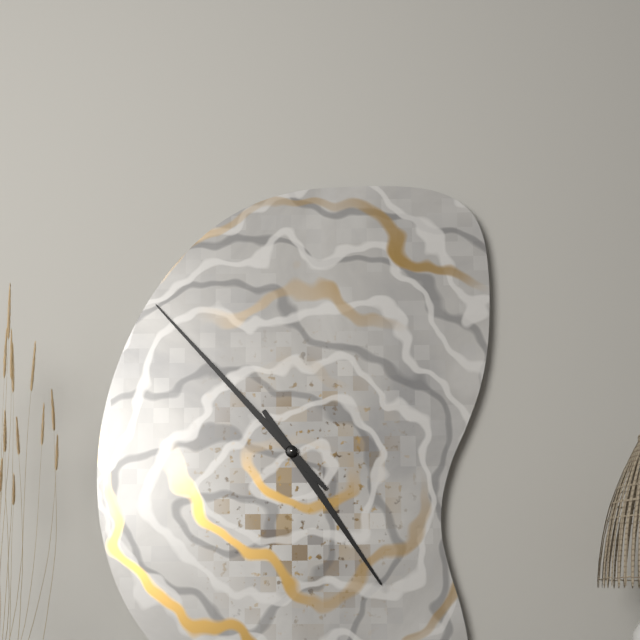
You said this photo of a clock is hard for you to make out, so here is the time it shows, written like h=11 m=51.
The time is h=4 m=53
